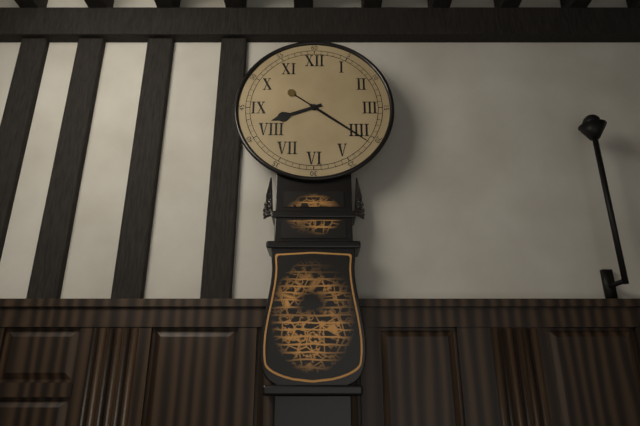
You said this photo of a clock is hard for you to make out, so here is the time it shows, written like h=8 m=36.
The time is h=8 m=21
